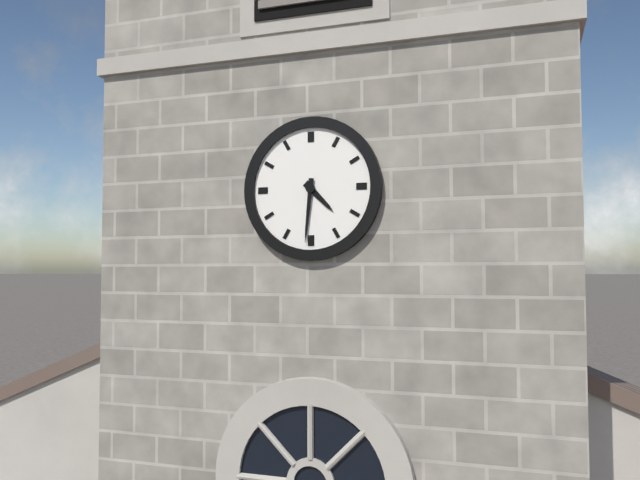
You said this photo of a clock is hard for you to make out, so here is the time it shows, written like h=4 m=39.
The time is h=4 m=31
